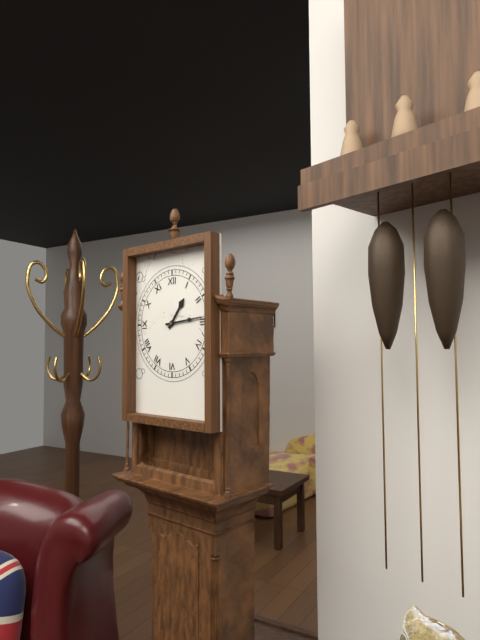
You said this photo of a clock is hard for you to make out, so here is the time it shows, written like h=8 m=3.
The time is h=1 m=14
